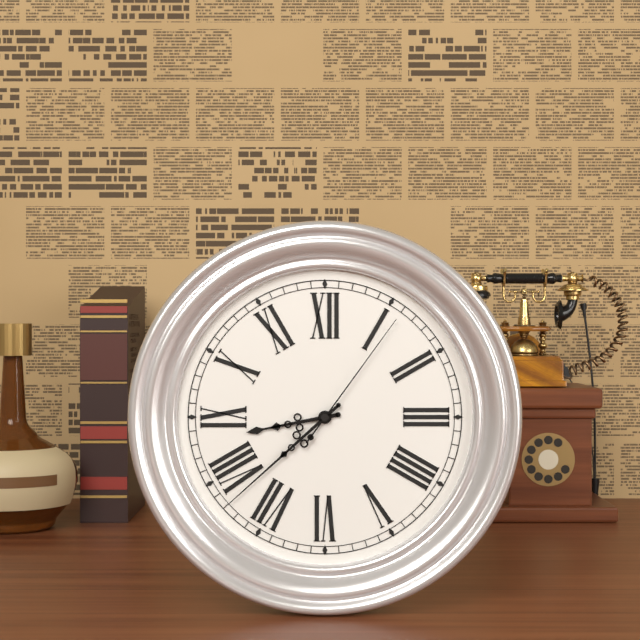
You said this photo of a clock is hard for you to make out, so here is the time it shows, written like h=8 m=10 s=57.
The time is h=8 m=38 s=6
